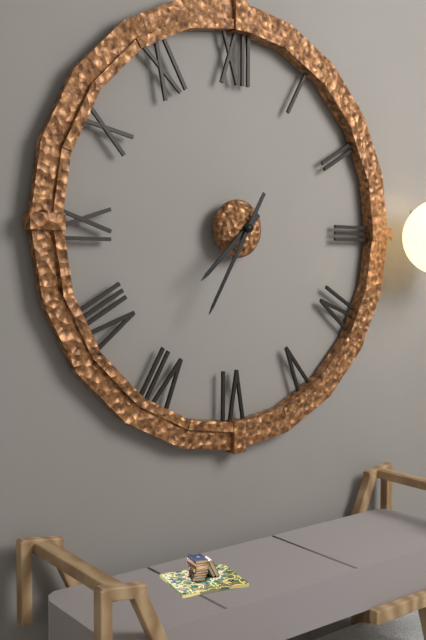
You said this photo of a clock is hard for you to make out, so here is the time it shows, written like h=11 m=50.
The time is h=7 m=35
